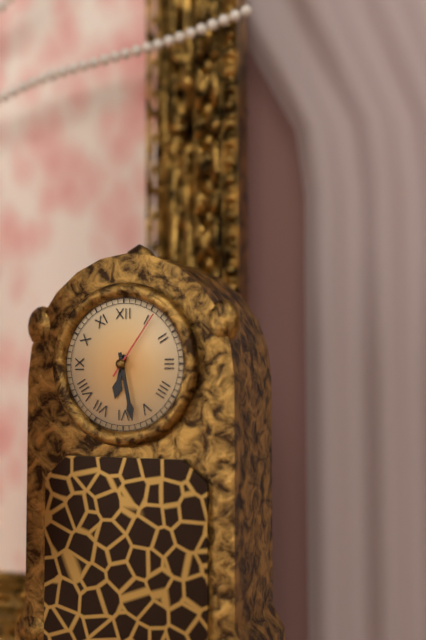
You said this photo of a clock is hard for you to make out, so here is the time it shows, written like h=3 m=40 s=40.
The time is h=6 m=28 s=6
